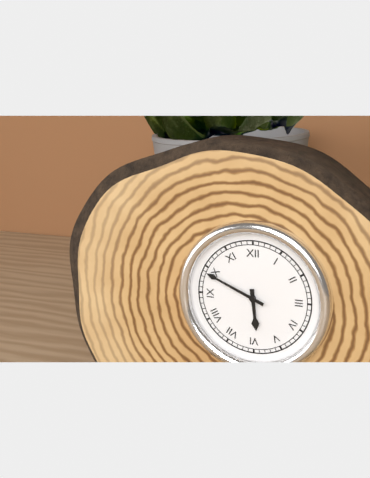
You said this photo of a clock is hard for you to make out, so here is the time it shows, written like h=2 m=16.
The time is h=5 m=49
